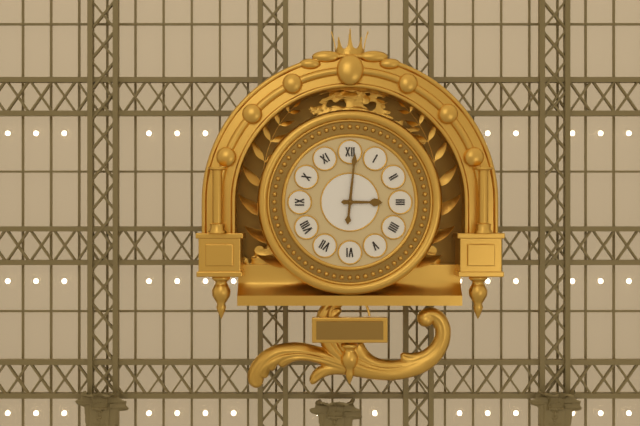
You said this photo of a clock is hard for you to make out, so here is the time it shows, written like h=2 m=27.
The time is h=3 m=1
